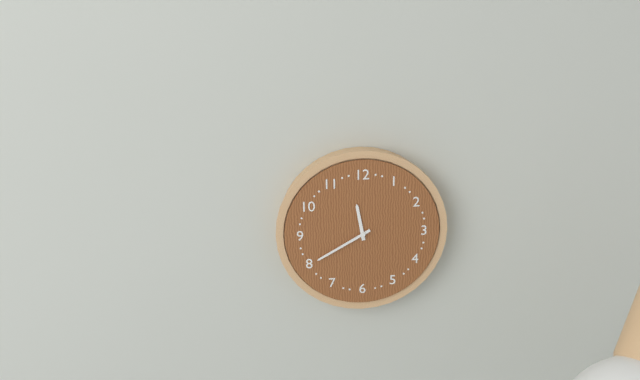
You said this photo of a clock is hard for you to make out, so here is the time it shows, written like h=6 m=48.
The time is h=11 m=40
